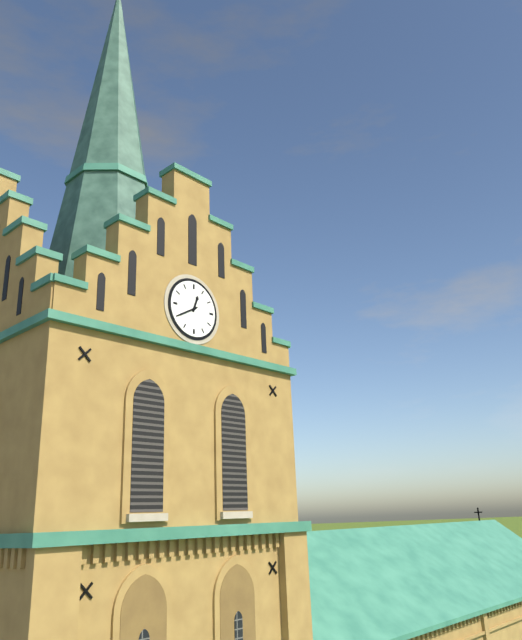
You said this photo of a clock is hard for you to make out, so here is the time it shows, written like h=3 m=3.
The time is h=12 m=40
